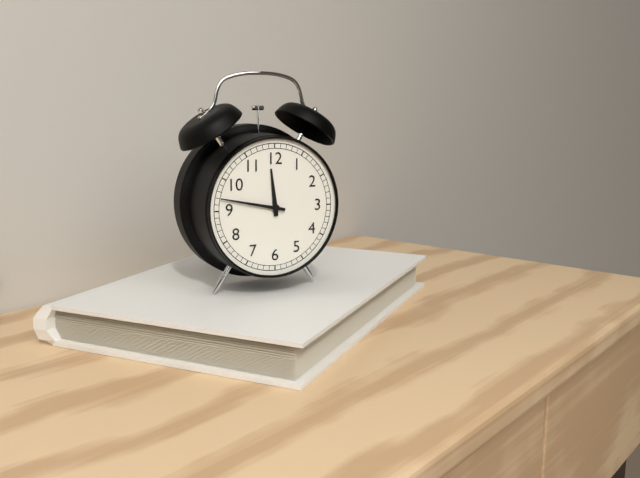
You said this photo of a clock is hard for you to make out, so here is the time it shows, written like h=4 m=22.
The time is h=11 m=47
